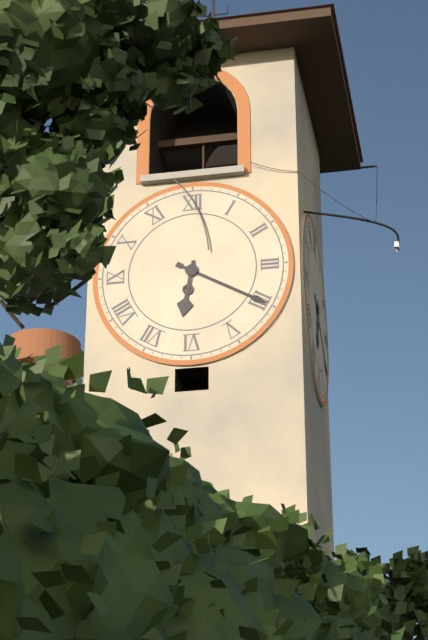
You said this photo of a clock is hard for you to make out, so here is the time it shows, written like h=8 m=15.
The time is h=6 m=20
